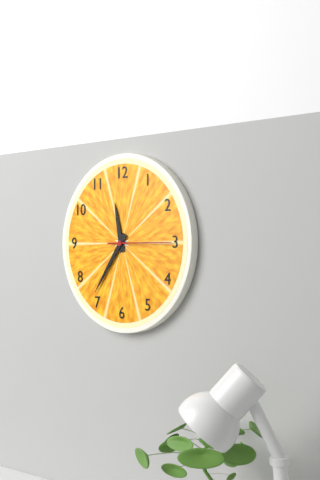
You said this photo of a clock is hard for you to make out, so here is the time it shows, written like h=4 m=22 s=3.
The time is h=11 m=36 s=15
